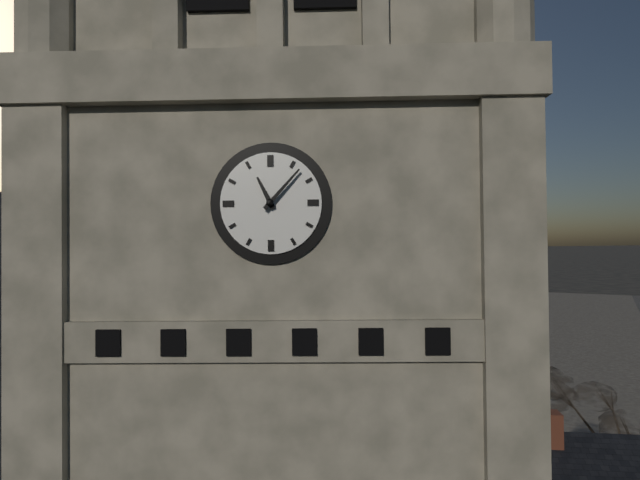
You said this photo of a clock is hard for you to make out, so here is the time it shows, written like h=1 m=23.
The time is h=11 m=7
